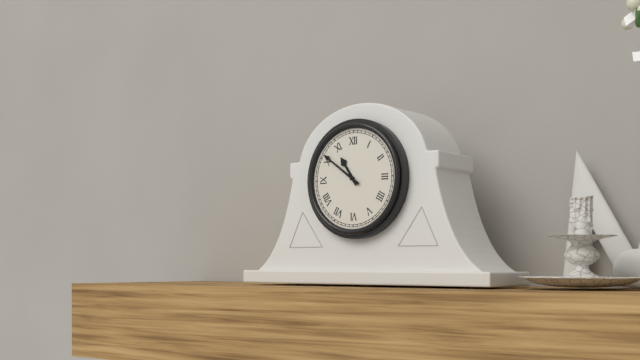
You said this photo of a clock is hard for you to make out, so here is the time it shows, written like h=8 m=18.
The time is h=10 m=51
